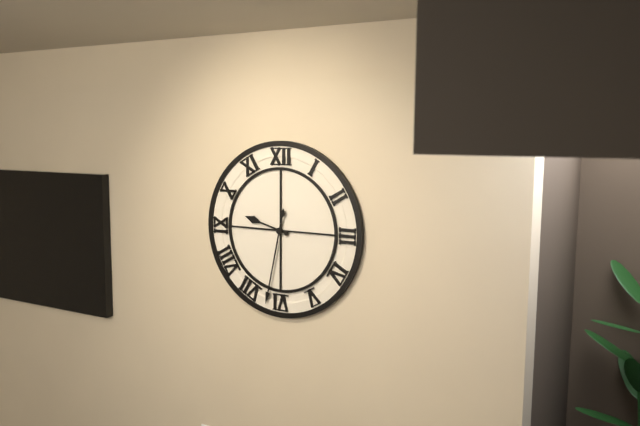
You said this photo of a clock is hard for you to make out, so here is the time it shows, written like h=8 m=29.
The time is h=9 m=32
